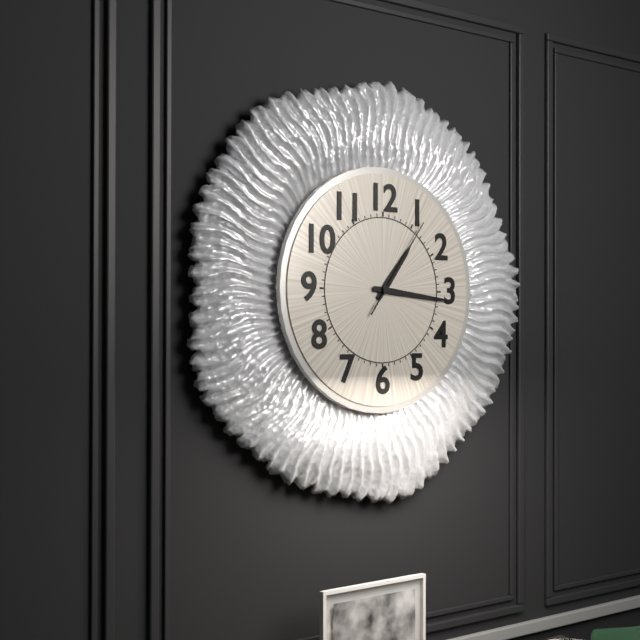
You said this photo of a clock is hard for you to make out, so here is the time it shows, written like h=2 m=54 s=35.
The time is h=1 m=16 s=6
